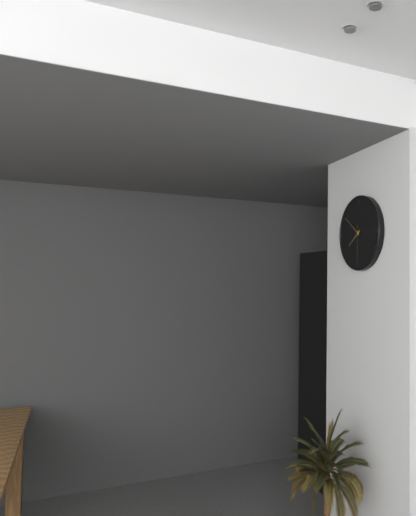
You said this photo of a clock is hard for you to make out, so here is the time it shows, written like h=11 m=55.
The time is h=7 m=51
